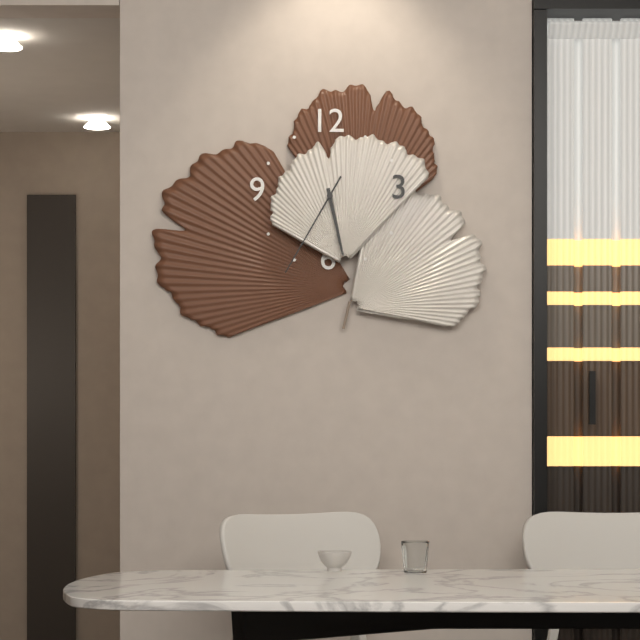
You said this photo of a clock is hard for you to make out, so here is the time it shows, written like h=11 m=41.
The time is h=5 m=35
